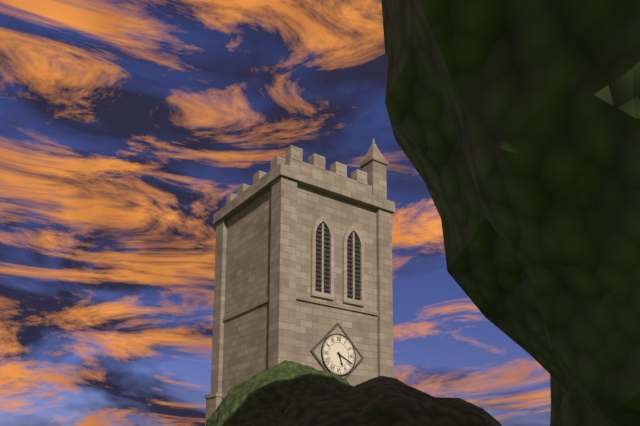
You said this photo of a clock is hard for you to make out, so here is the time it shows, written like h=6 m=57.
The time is h=5 m=19
